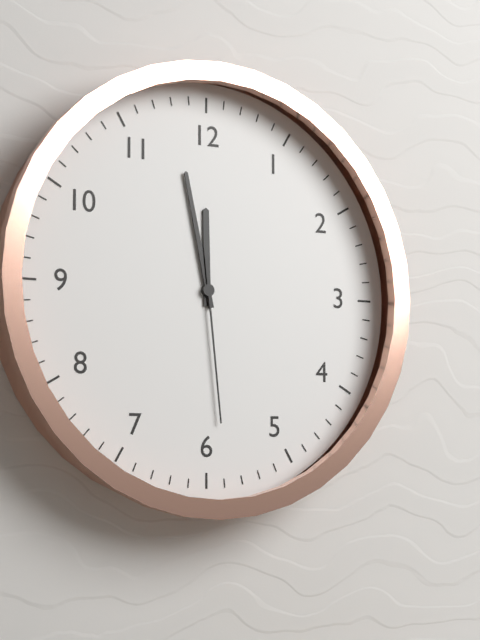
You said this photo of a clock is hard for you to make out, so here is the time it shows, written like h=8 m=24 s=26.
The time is h=11 m=58 s=29
